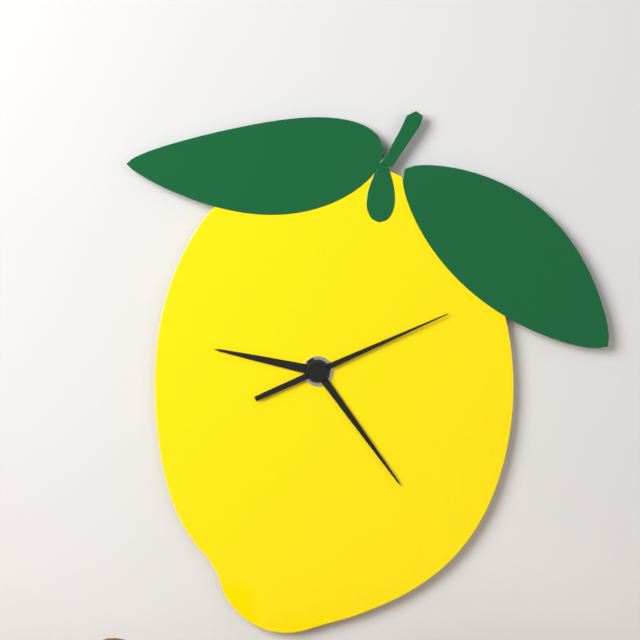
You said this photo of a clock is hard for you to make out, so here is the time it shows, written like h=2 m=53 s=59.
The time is h=9 m=24 s=11
